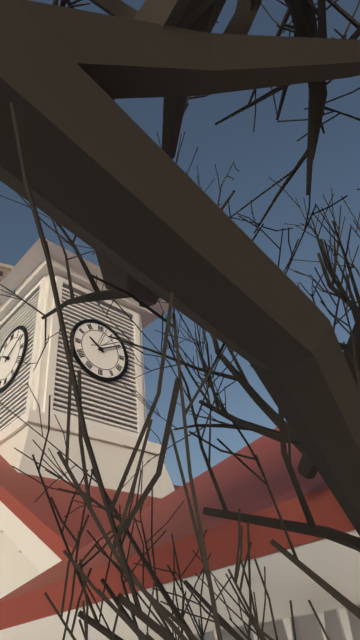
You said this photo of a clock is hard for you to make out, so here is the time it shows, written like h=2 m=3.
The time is h=10 m=10
